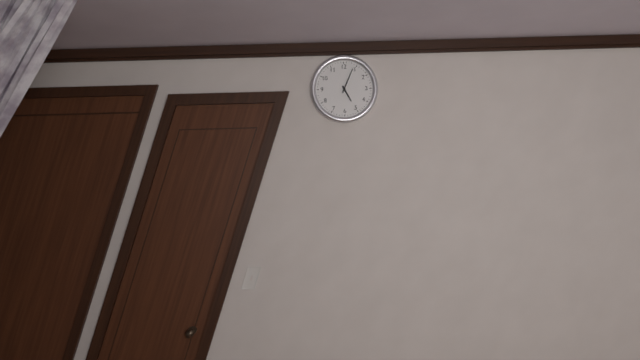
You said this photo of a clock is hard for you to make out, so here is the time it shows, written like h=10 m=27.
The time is h=5 m=4
